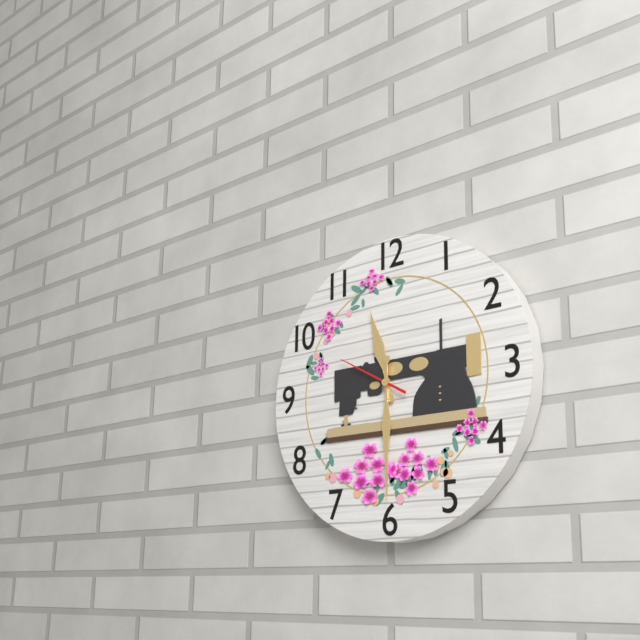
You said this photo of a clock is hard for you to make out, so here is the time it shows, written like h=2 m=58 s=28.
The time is h=11 m=30 s=50
